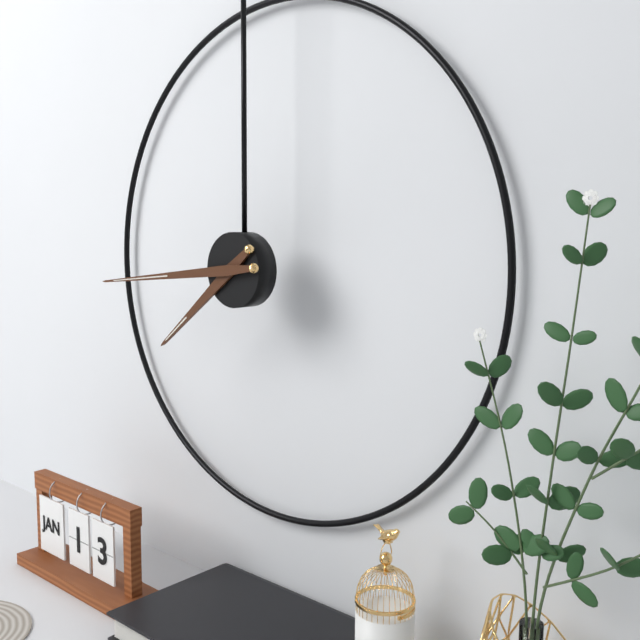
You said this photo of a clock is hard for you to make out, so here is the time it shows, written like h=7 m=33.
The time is h=7 m=44
